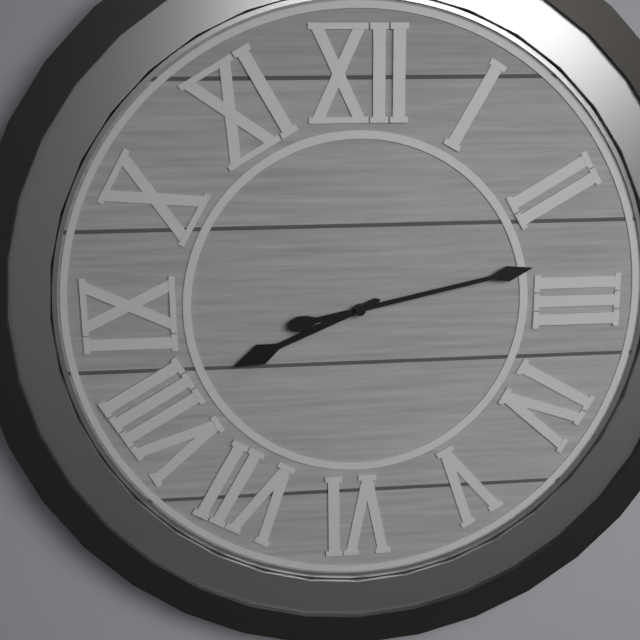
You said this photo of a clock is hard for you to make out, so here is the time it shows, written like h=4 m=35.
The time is h=8 m=13
